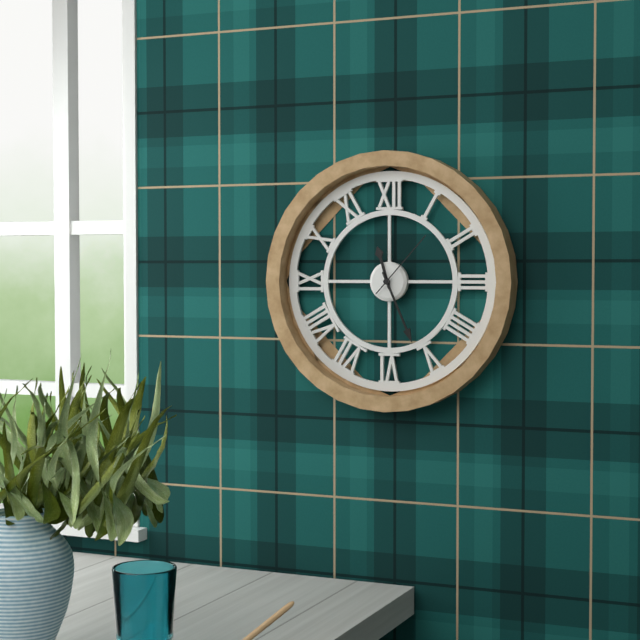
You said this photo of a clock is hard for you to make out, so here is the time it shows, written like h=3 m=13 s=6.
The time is h=11 m=26 s=7
